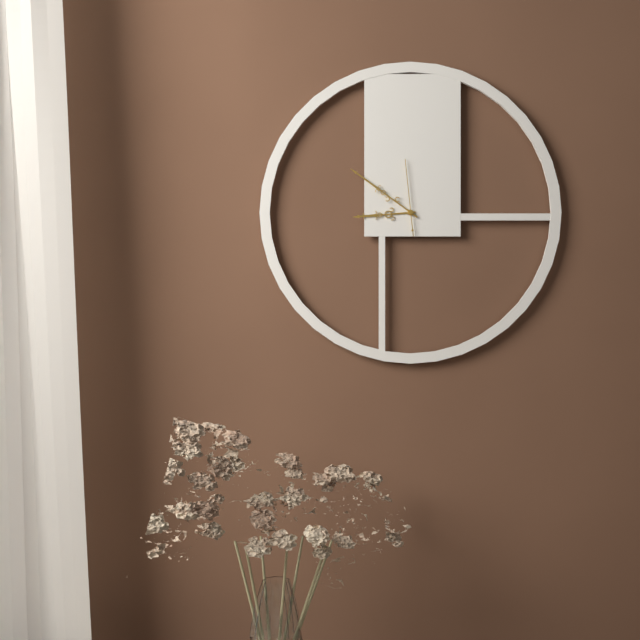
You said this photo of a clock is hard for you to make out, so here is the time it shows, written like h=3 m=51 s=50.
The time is h=8 m=51 s=59
